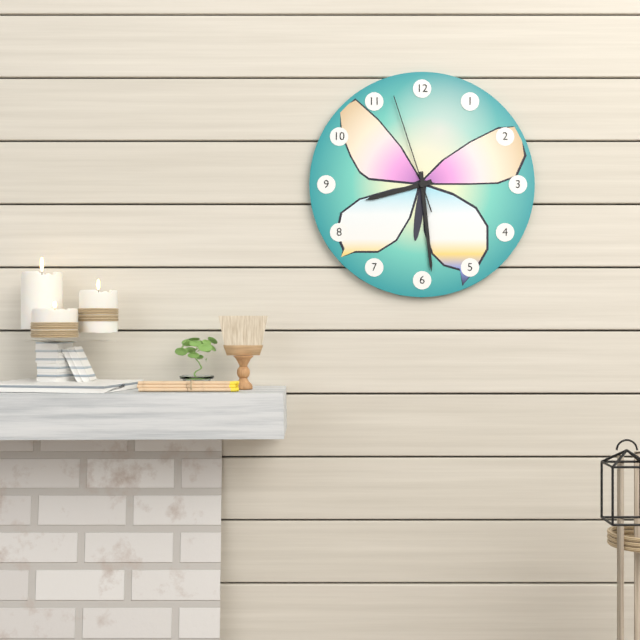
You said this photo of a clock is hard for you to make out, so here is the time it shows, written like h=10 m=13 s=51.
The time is h=8 m=29 s=57
